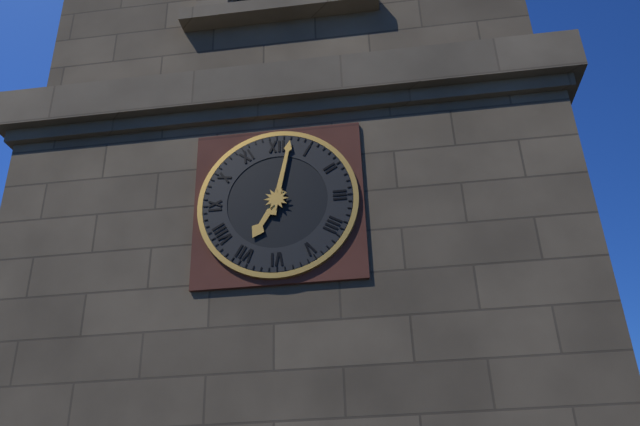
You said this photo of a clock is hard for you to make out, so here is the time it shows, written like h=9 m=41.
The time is h=7 m=2
